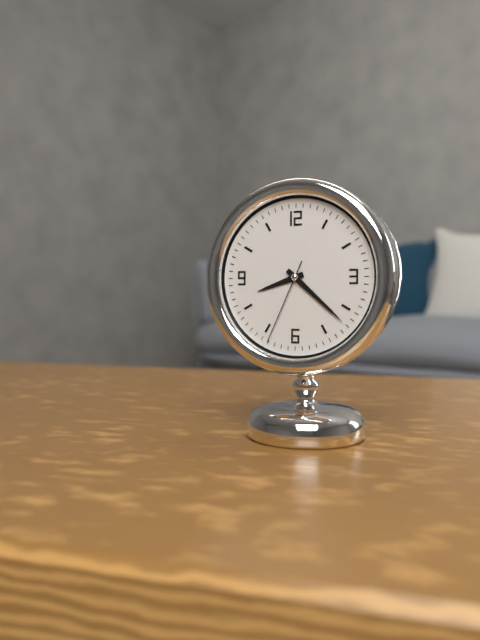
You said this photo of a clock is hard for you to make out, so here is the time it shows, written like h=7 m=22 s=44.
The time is h=8 m=22 s=34
